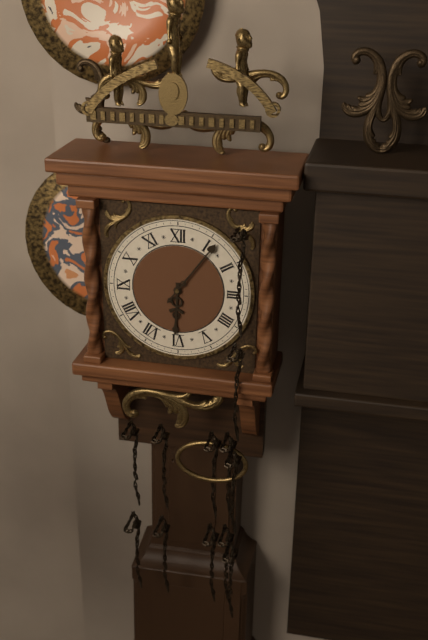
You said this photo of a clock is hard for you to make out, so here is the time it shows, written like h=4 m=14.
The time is h=6 m=6
